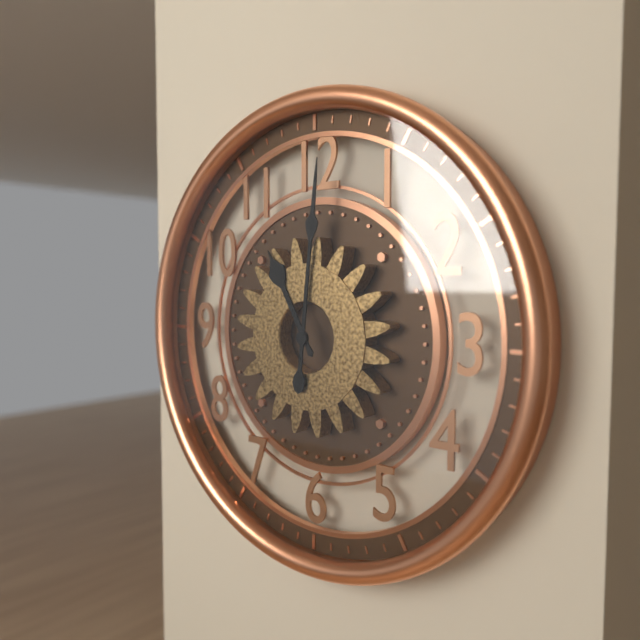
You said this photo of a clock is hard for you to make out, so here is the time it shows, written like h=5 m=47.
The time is h=11 m=1
